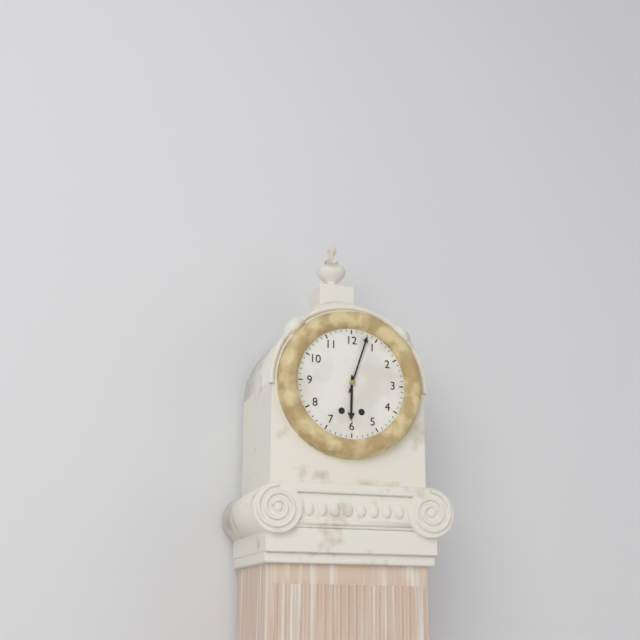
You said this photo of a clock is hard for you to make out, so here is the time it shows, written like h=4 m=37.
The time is h=6 m=3
